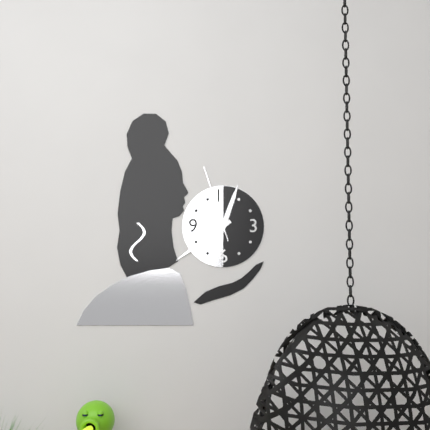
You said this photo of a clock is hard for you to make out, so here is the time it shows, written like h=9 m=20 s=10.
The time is h=12 m=39 s=57
